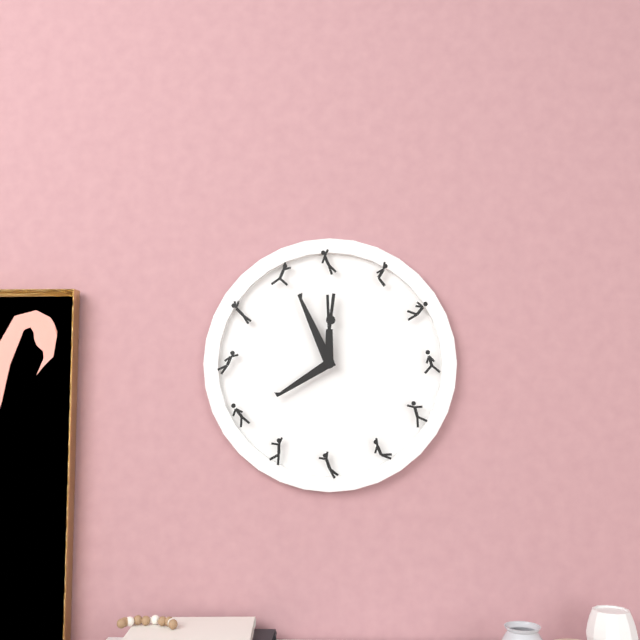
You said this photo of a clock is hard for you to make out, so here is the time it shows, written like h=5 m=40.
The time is h=7 m=56
